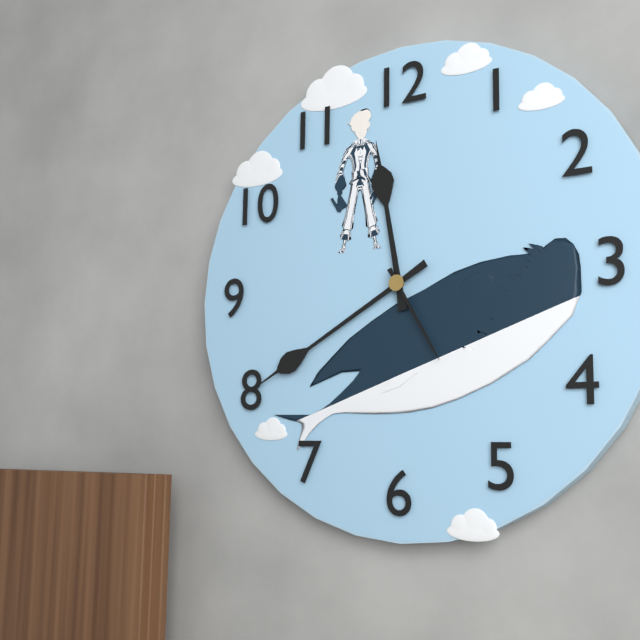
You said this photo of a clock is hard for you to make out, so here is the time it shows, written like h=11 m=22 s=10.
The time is h=11 m=40 s=25
